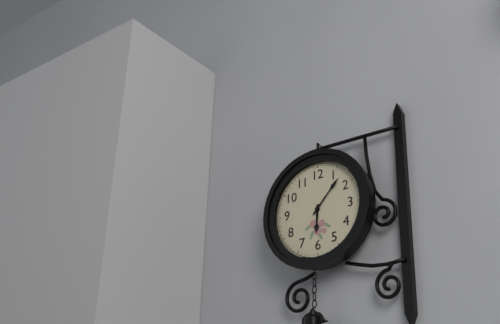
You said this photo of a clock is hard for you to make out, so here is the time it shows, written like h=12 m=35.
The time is h=6 m=7
